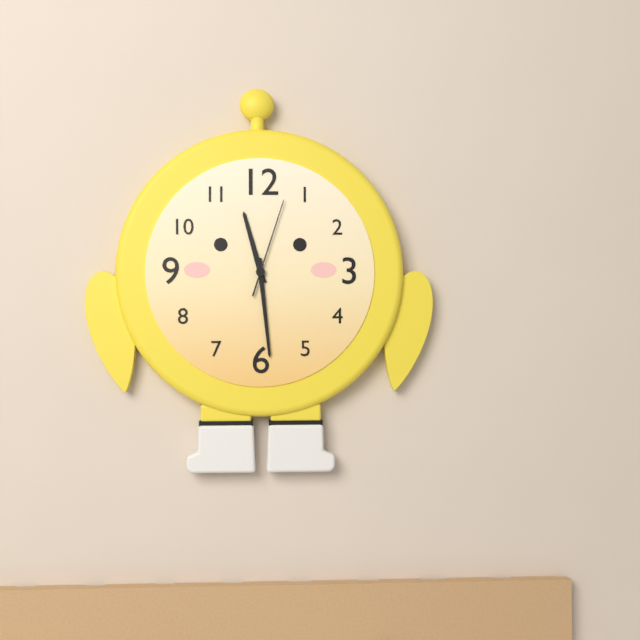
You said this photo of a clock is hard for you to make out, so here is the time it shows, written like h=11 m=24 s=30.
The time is h=11 m=29 s=3
